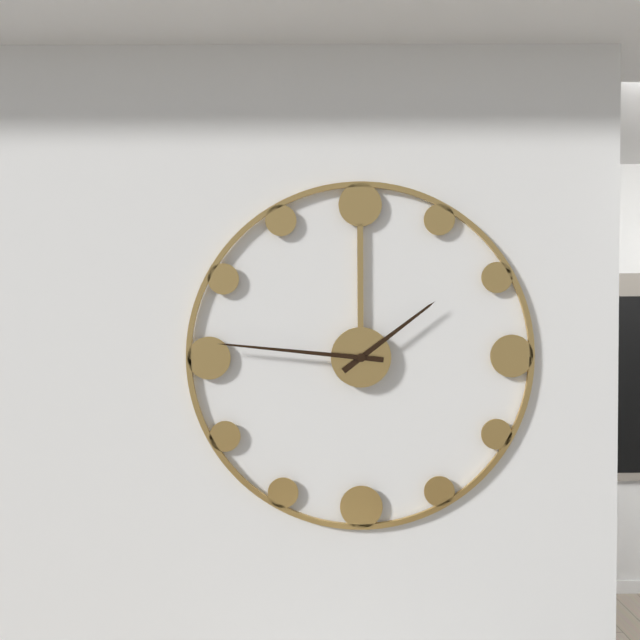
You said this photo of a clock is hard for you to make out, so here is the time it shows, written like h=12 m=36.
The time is h=1 m=46
